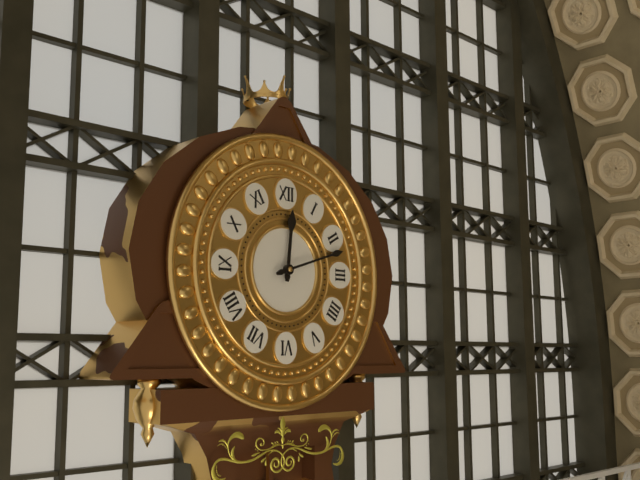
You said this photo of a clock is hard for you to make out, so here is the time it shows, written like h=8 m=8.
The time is h=12 m=12
